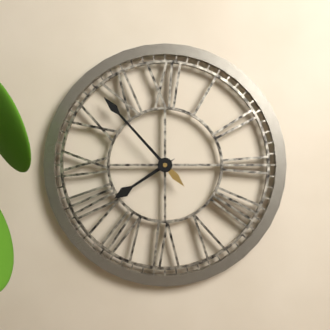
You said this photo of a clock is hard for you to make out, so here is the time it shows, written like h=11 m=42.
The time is h=7 m=53
